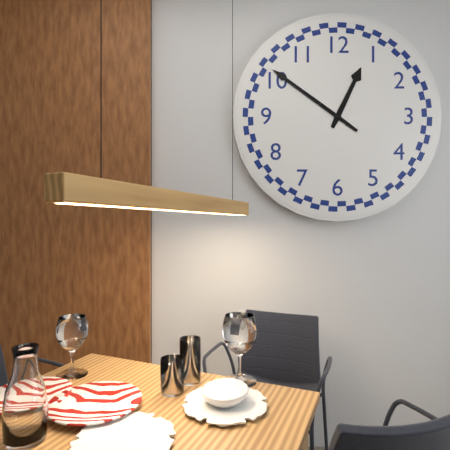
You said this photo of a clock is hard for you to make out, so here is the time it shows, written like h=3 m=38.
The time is h=12 m=51
